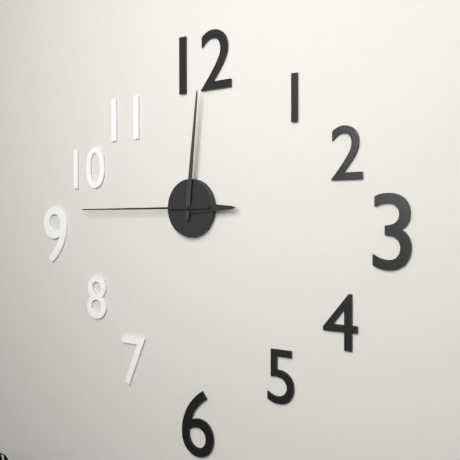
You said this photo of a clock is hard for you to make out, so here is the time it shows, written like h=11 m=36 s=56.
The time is h=3 m=1 s=45
